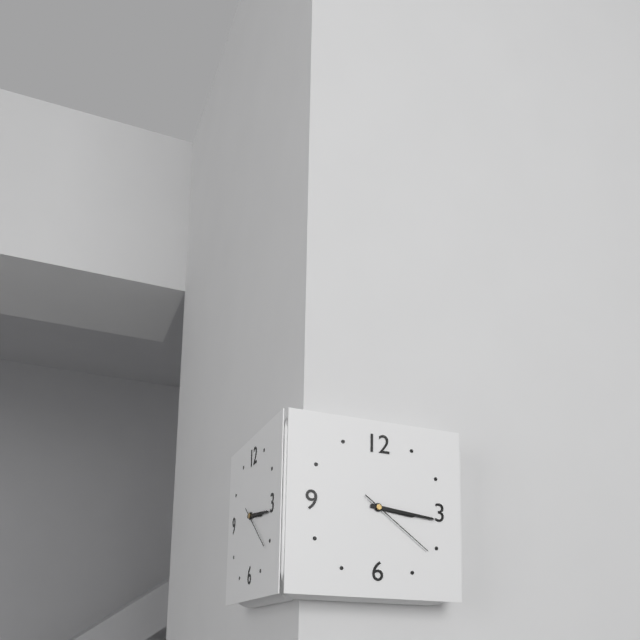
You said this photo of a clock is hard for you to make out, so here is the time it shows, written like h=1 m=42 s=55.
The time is h=3 m=16 s=21
